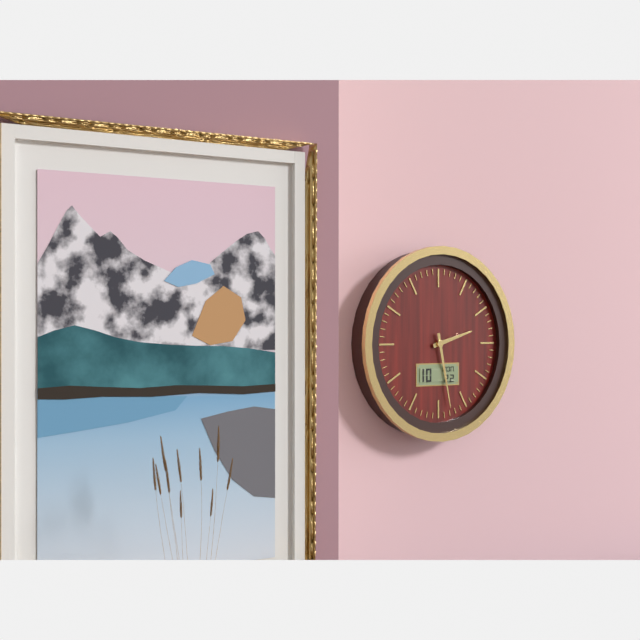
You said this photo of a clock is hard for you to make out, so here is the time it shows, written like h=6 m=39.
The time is h=2 m=28
